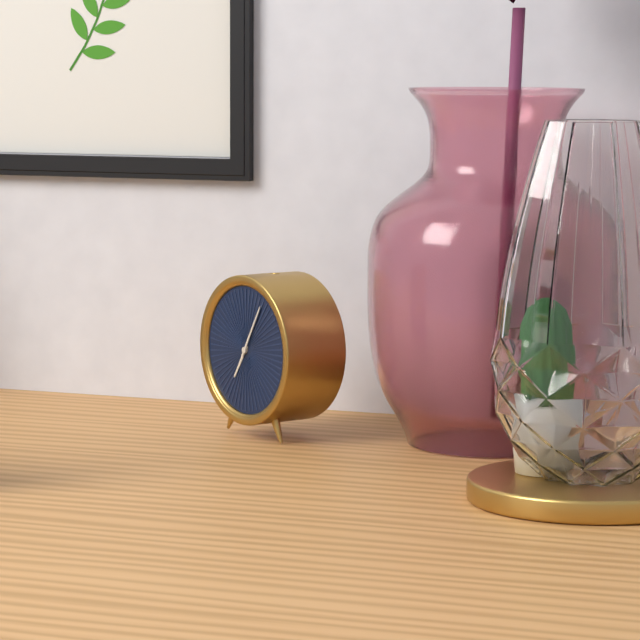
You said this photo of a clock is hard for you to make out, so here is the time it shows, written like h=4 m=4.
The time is h=7 m=5
